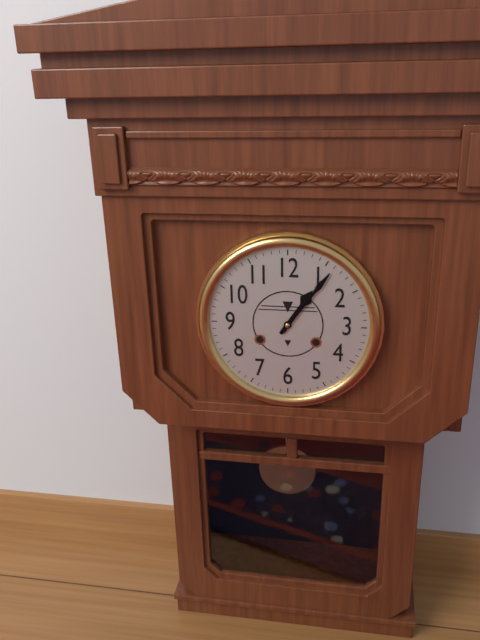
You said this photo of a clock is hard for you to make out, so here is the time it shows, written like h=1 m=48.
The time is h=1 m=6
